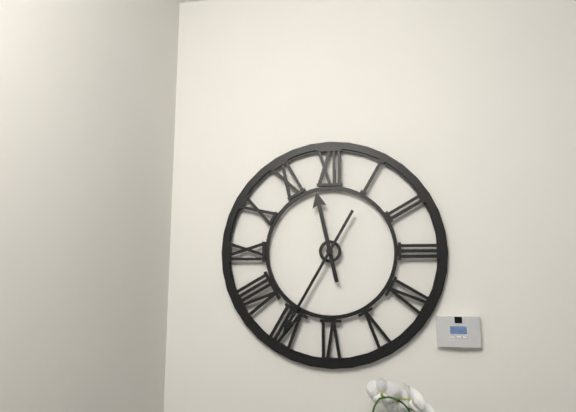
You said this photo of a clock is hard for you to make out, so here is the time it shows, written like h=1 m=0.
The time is h=11 m=35
